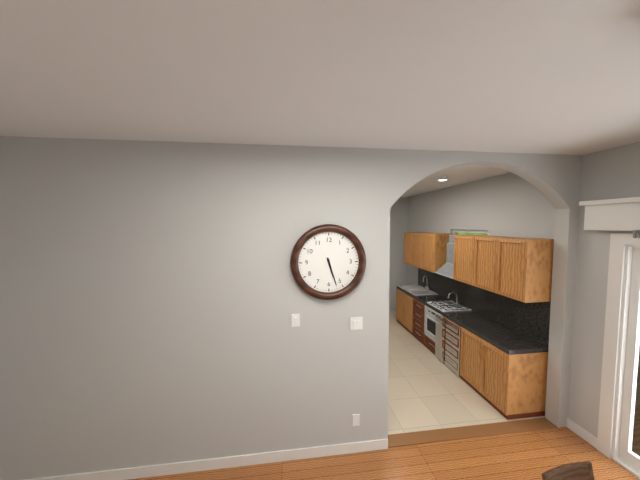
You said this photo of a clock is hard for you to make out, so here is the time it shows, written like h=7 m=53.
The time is h=5 m=27
